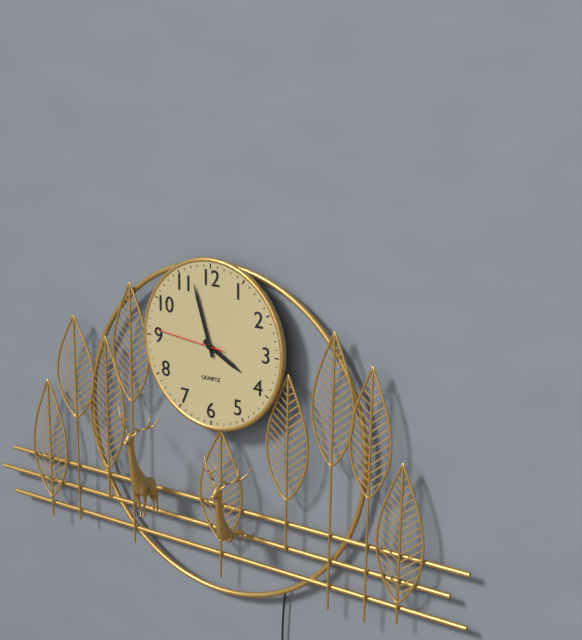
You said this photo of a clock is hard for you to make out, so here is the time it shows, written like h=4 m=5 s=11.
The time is h=3 m=57 s=46
